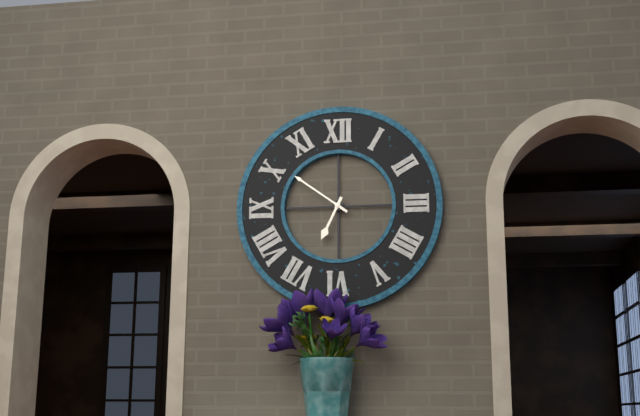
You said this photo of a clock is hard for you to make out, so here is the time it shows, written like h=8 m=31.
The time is h=6 m=51
